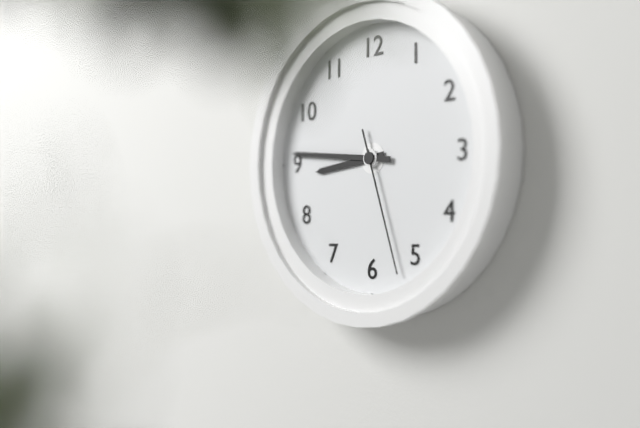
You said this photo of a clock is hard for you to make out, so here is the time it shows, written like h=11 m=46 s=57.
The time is h=8 m=46 s=27
